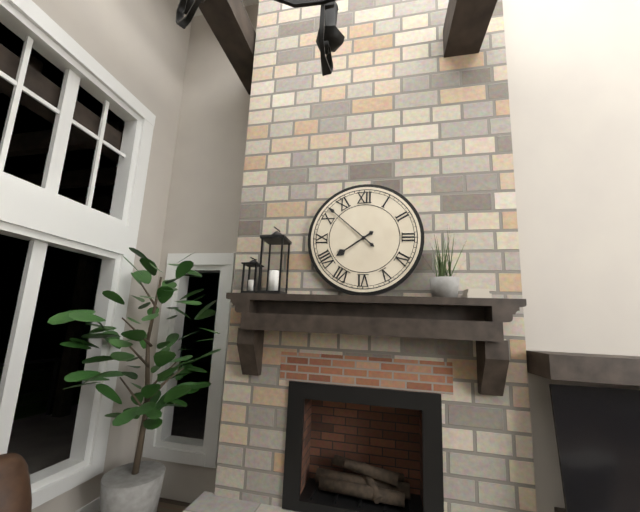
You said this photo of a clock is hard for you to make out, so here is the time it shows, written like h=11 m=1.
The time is h=7 m=52
